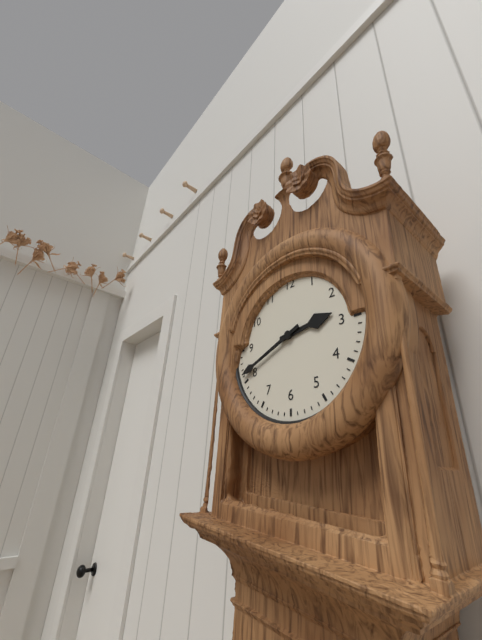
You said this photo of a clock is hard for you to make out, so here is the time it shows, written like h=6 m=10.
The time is h=2 m=41
